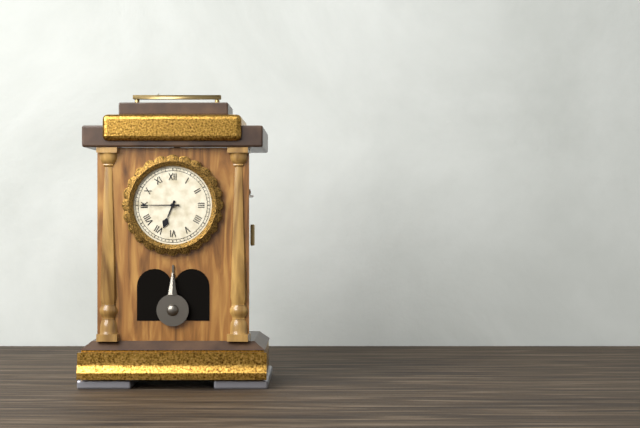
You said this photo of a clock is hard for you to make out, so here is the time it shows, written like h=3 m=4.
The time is h=6 m=45
